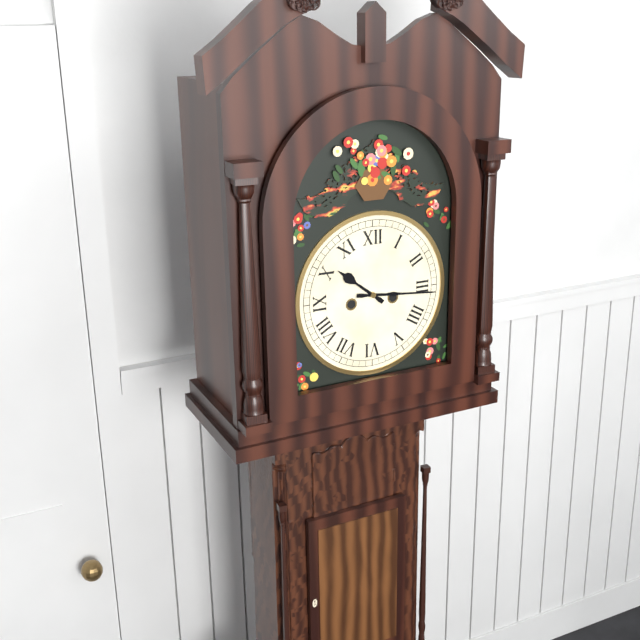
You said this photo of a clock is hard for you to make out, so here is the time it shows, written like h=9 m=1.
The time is h=10 m=16
